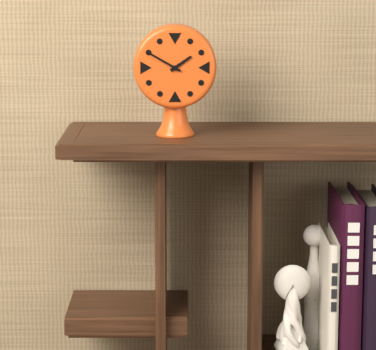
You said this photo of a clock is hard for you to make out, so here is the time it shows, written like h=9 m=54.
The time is h=1 m=50
